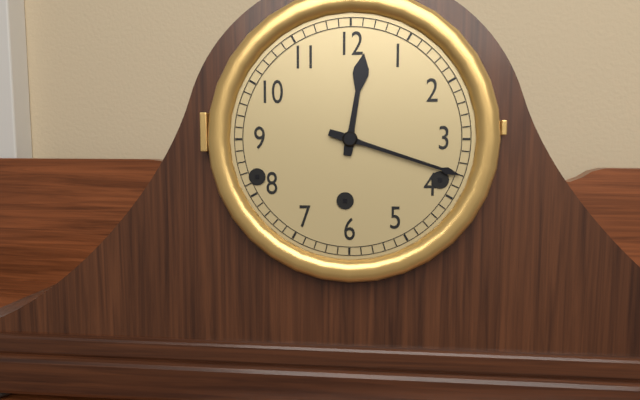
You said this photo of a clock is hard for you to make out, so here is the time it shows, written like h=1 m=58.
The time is h=12 m=18
